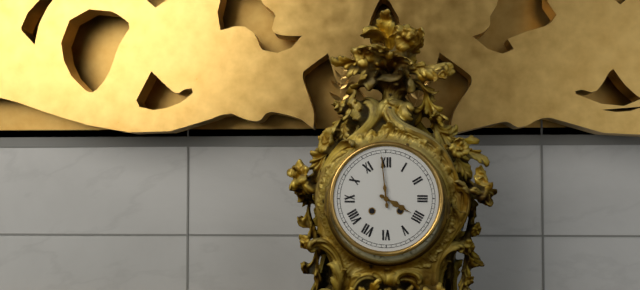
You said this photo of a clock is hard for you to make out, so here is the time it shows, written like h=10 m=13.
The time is h=3 m=59
